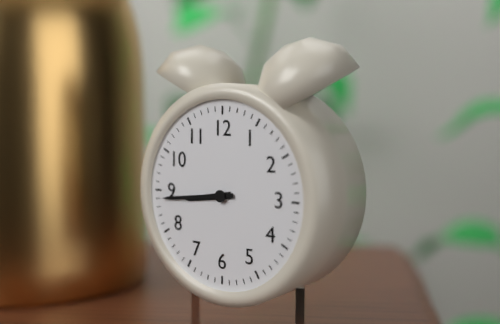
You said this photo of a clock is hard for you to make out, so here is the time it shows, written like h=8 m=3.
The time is h=8 m=44
